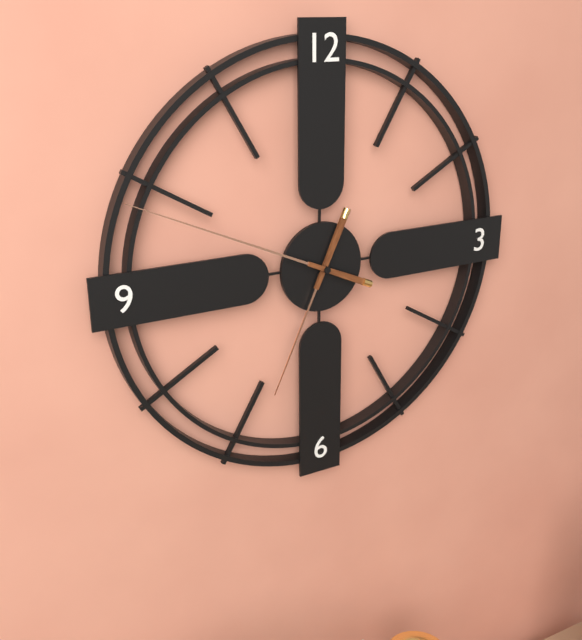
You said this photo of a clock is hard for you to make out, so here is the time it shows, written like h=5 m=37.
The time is h=6 m=49
